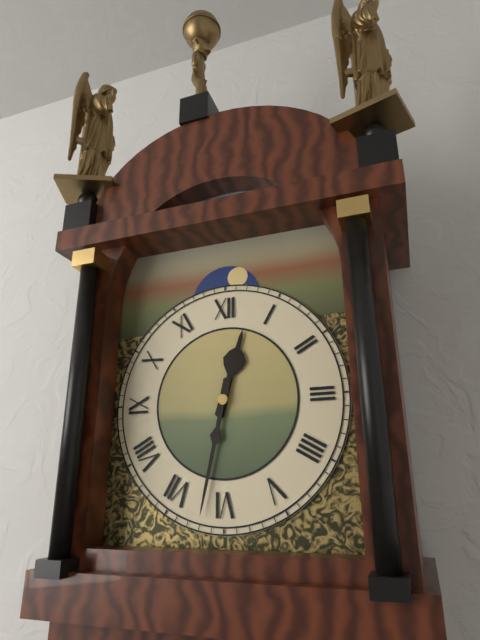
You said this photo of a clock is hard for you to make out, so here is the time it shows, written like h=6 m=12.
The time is h=12 m=32
